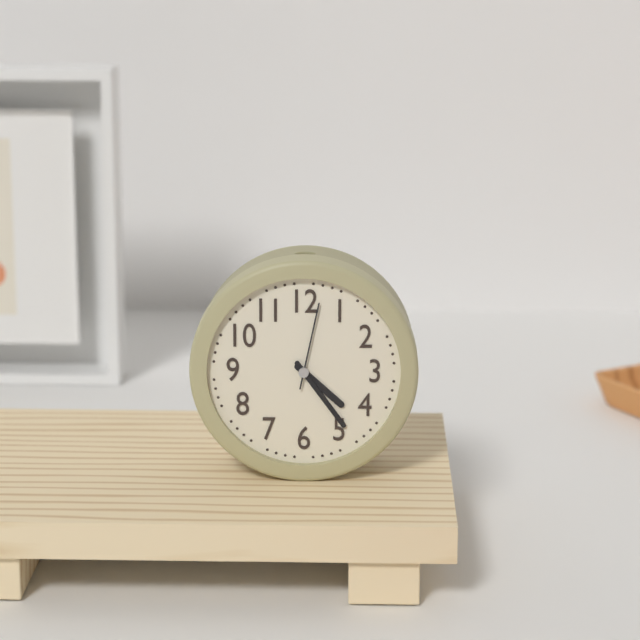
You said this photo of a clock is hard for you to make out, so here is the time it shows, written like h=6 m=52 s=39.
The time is h=4 m=24 s=2
